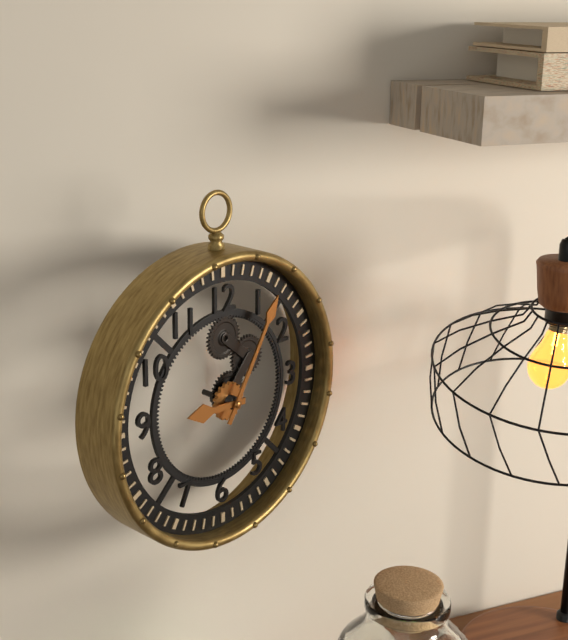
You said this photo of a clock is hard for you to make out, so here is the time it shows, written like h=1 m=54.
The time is h=9 m=5
